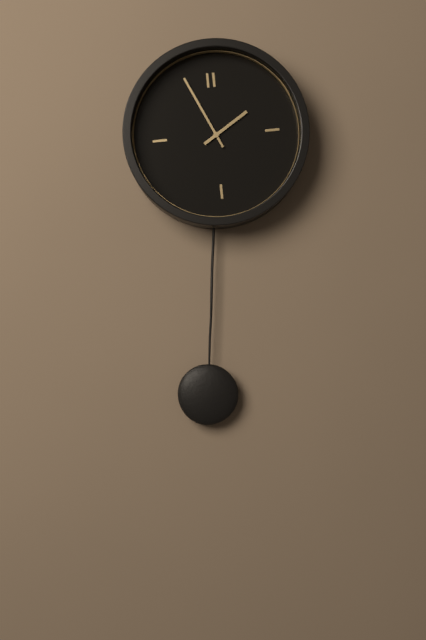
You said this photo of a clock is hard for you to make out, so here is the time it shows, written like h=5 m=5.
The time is h=1 m=56
